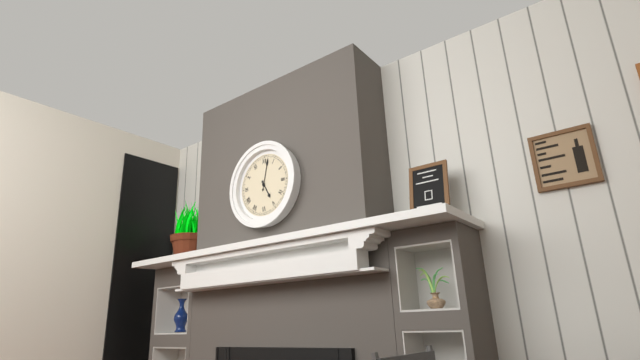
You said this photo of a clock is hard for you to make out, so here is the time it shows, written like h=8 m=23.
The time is h=5 m=2
